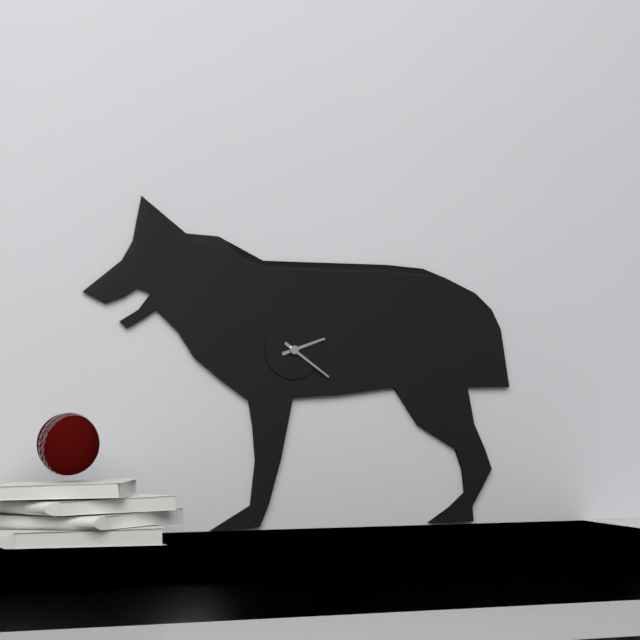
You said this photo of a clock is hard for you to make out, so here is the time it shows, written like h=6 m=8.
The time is h=2 m=21
